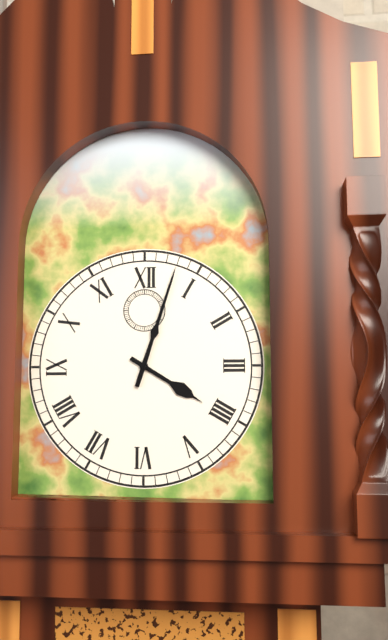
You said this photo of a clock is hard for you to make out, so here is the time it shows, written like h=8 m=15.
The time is h=4 m=3
